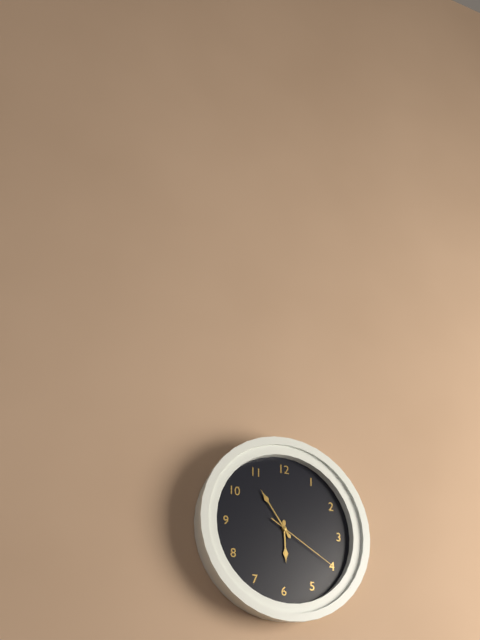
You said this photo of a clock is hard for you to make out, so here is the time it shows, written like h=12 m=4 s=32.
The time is h=5 m=54 s=20
